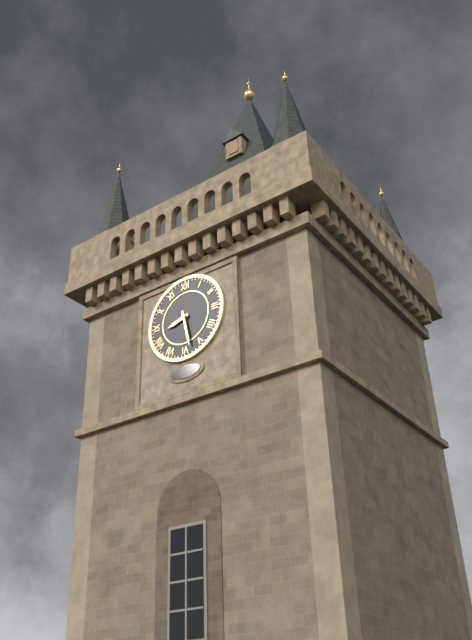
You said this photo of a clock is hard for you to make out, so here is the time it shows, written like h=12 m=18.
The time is h=8 m=28
